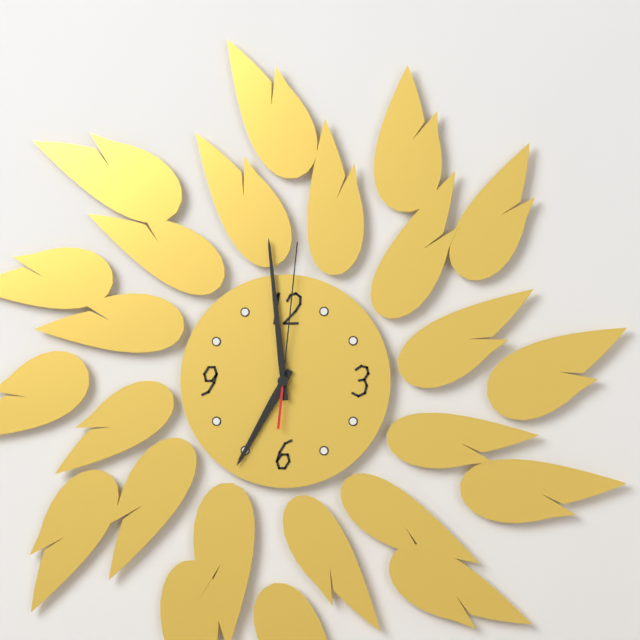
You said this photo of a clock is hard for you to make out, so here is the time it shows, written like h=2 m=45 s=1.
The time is h=6 m=59 s=1
